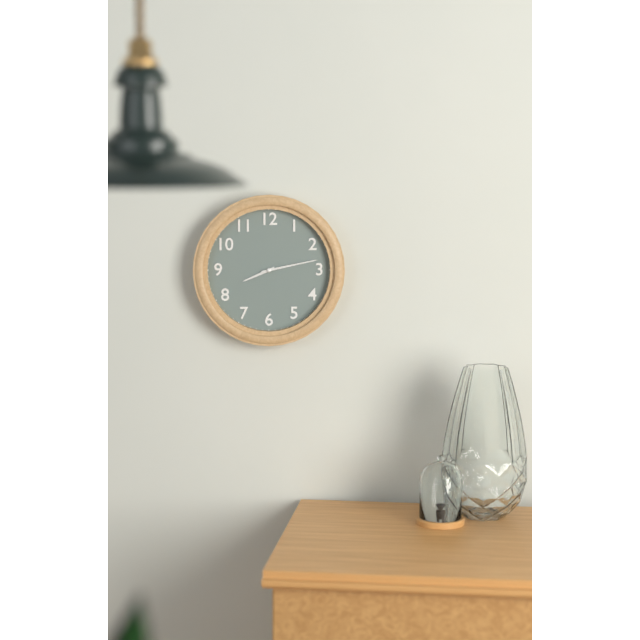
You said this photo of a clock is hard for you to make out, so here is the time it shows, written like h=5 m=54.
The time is h=8 m=13
